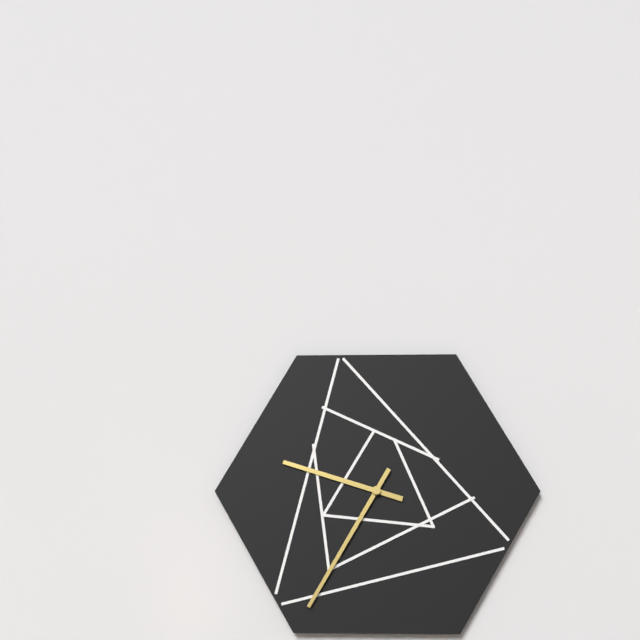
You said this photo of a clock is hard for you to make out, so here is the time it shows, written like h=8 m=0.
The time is h=9 m=35
